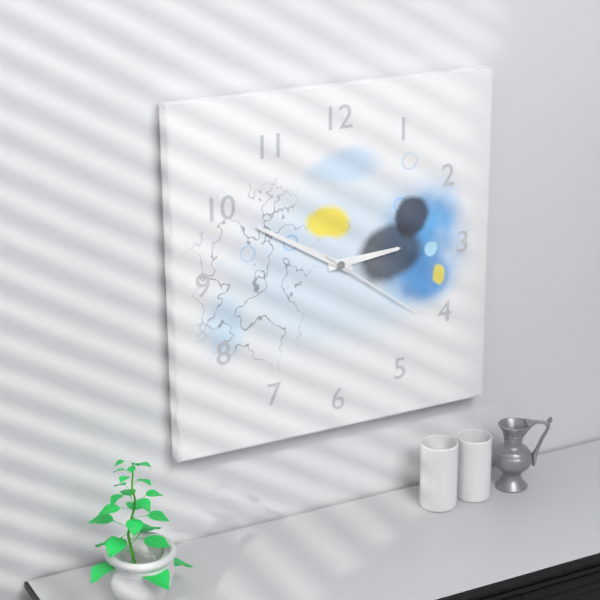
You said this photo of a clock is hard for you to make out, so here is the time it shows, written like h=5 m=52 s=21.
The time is h=2 m=50 s=21
